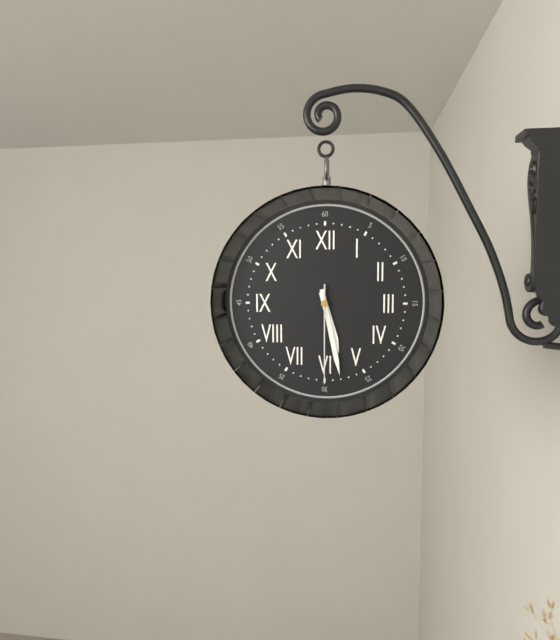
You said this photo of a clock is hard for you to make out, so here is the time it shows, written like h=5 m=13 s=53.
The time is h=5 m=28 s=30
